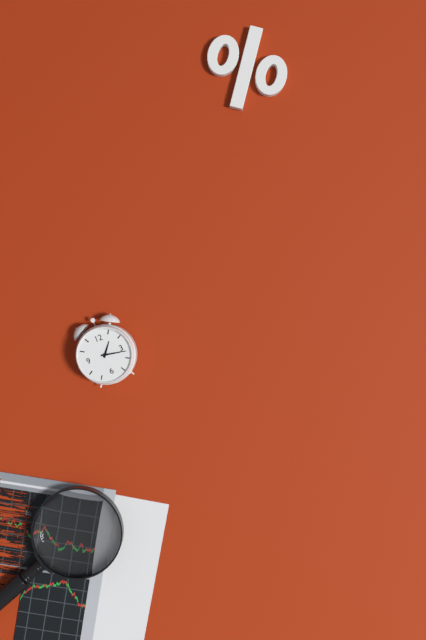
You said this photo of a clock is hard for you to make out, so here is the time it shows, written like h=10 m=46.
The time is h=1 m=17
